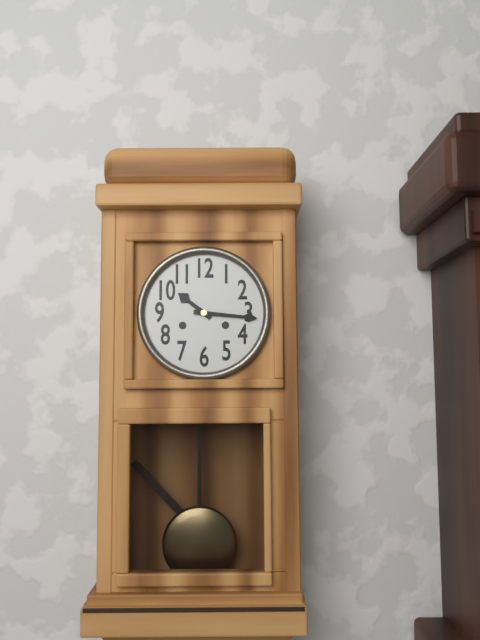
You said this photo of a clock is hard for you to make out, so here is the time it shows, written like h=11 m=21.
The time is h=10 m=16
